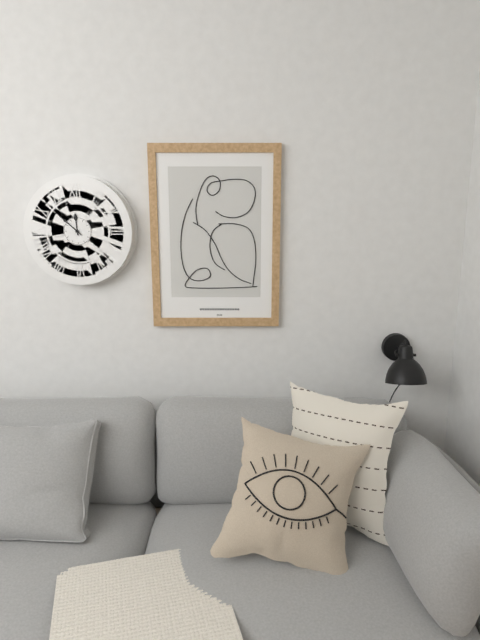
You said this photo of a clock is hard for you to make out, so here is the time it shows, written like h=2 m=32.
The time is h=11 m=52
